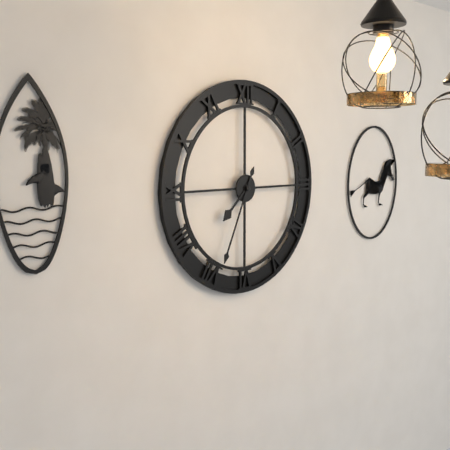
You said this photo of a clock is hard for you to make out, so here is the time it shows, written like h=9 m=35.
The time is h=7 m=34
